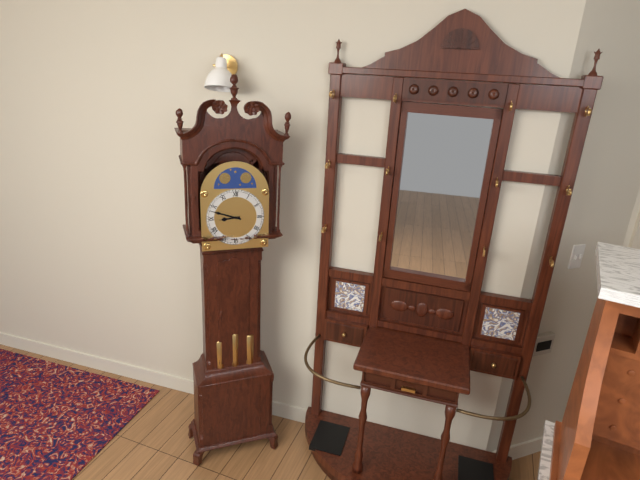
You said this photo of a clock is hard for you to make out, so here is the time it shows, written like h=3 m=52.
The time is h=8 m=48
